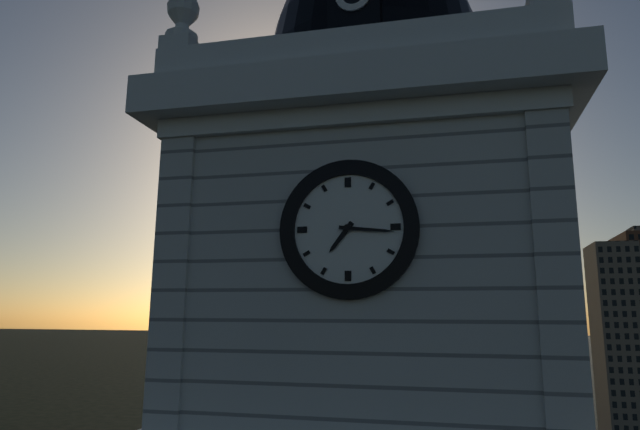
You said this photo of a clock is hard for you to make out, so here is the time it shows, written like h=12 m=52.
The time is h=7 m=16
